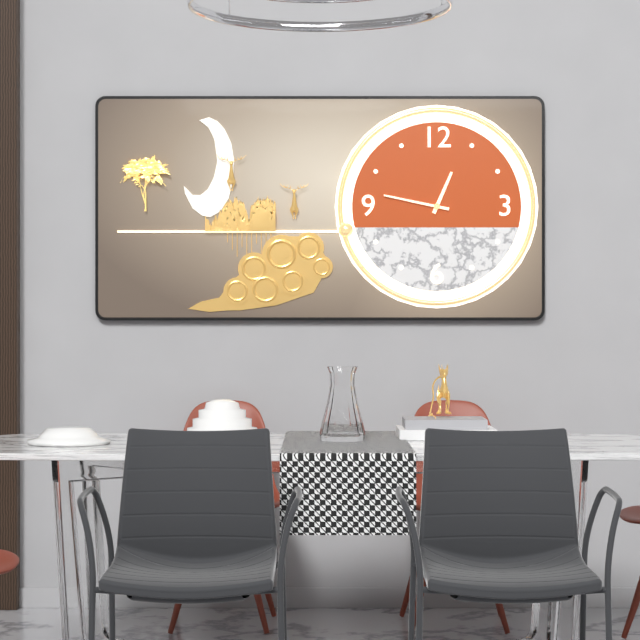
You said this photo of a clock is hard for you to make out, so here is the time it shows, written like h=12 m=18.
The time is h=12 m=47
